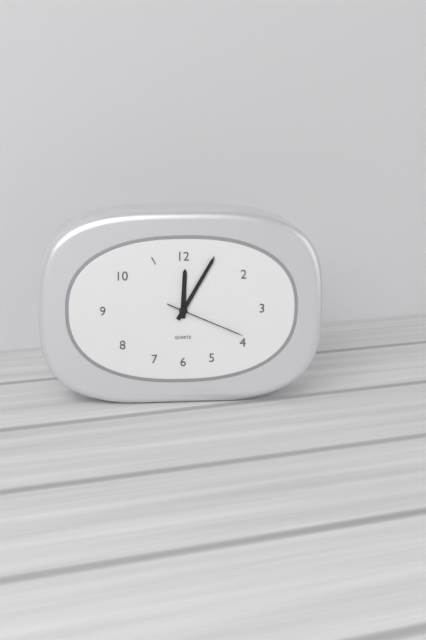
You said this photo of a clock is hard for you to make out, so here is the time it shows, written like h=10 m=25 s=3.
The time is h=12 m=5 s=19
